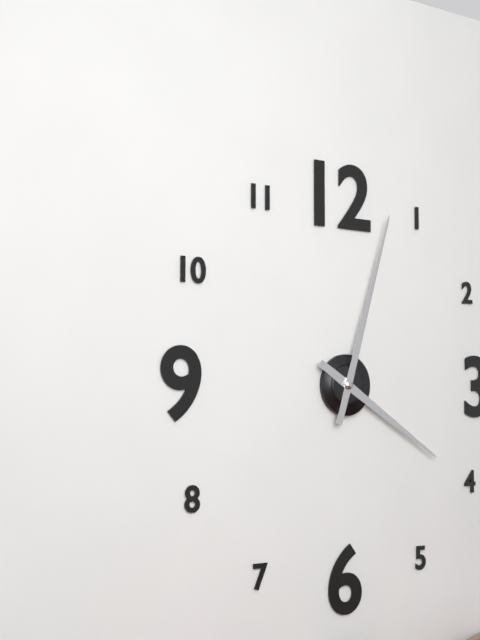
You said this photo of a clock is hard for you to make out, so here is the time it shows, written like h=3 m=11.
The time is h=4 m=3
